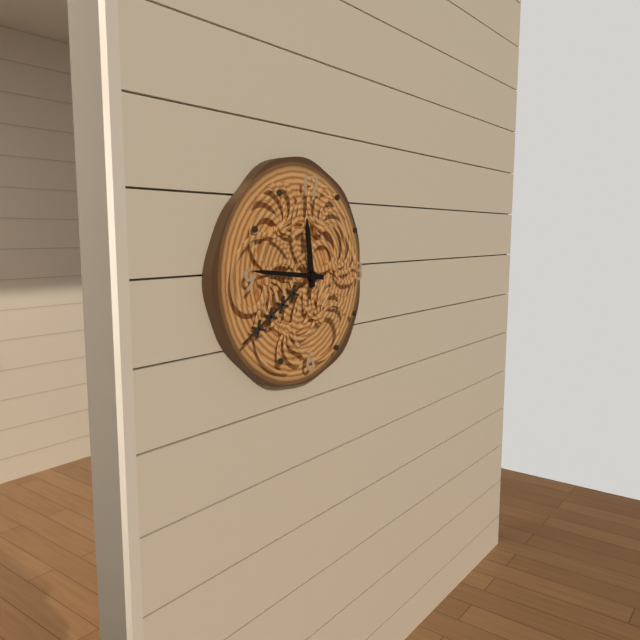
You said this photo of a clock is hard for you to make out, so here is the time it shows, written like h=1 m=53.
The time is h=11 m=46
